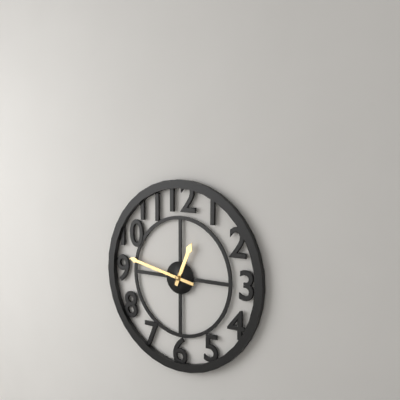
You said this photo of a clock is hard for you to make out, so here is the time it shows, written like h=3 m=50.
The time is h=12 m=47
